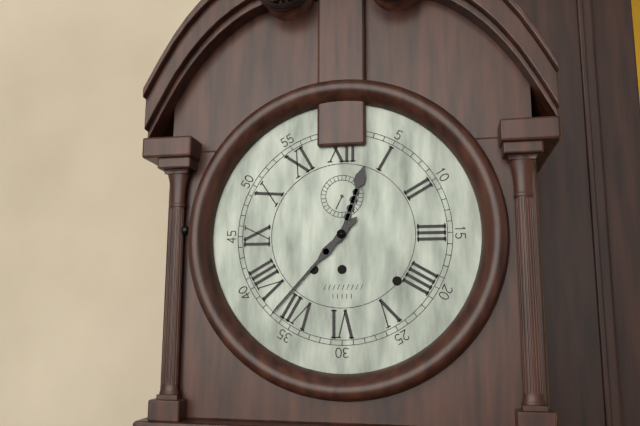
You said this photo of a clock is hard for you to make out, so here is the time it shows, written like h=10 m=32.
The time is h=12 m=37
